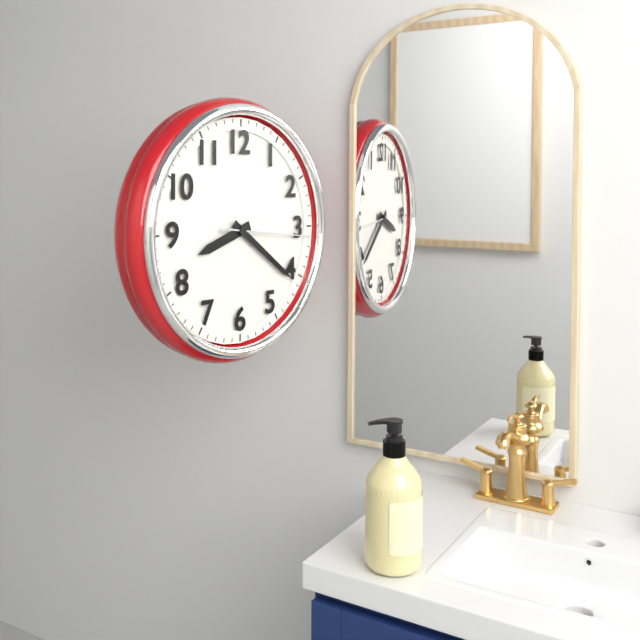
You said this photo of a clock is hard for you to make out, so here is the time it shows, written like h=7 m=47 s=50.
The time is h=8 m=21 s=16
